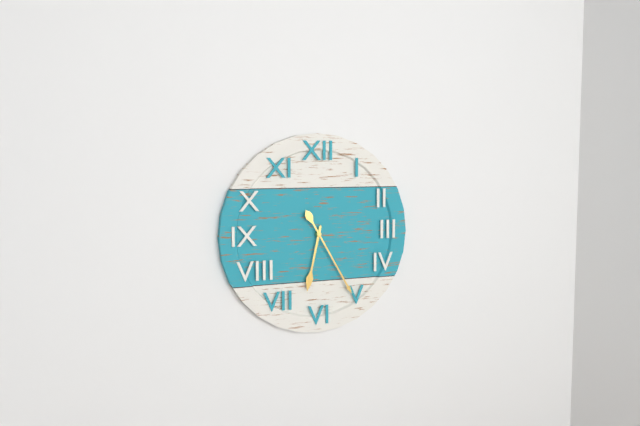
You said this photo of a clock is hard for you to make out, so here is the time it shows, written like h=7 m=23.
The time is h=6 m=25
